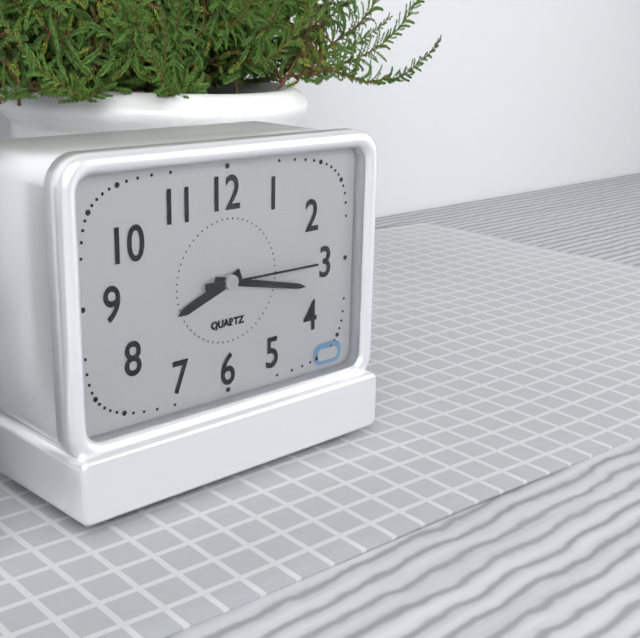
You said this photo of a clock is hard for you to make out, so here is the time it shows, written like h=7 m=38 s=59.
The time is h=8 m=17 s=15
